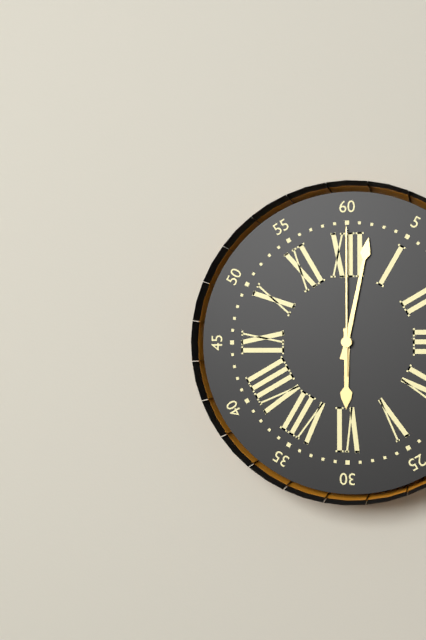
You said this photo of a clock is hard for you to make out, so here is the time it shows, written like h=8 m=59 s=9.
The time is h=6 m=2 s=0
